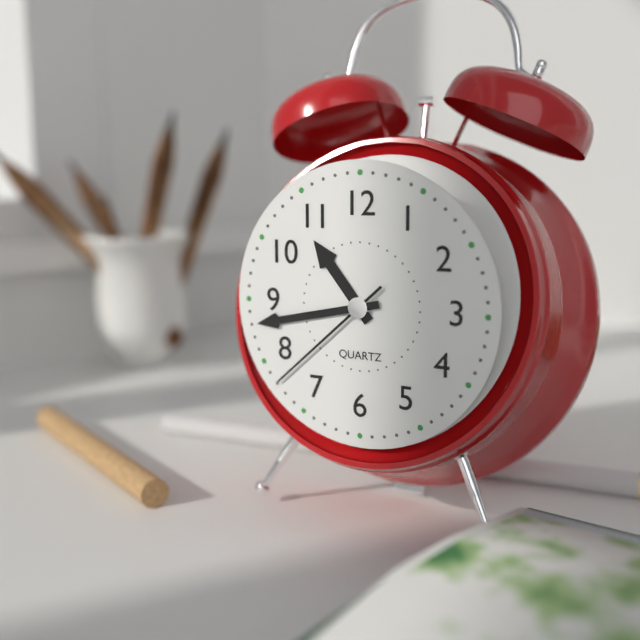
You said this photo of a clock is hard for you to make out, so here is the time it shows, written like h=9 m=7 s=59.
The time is h=10 m=43 s=38
